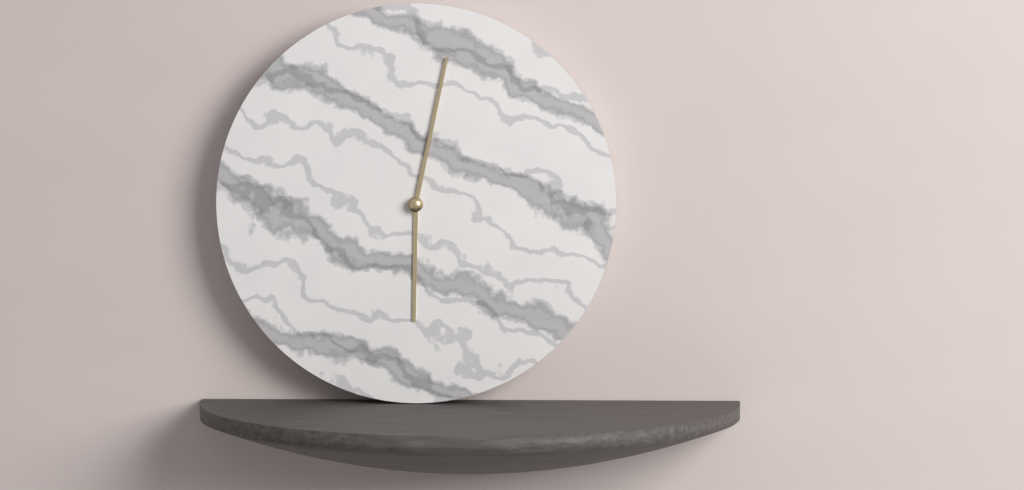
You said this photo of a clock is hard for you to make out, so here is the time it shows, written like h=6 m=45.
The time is h=6 m=2
